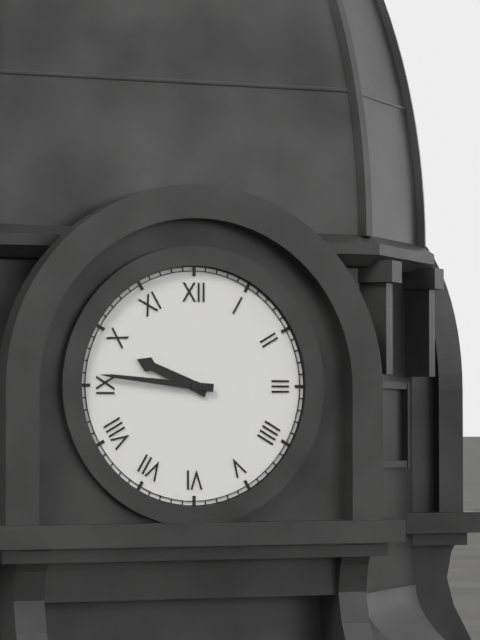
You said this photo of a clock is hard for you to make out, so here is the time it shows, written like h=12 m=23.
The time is h=9 m=46
